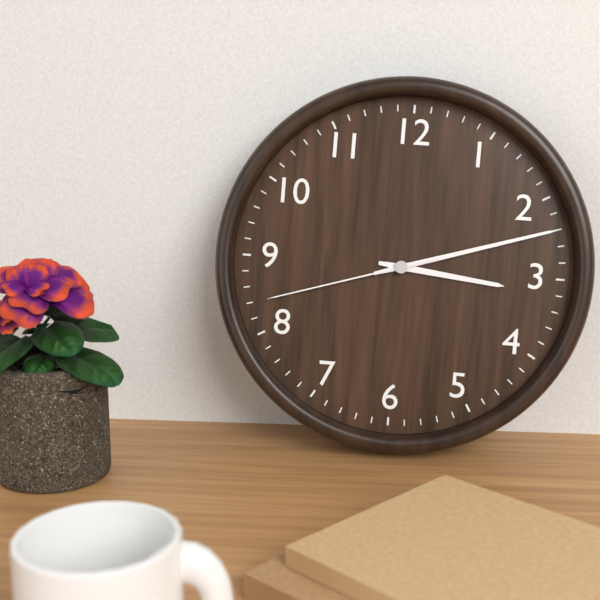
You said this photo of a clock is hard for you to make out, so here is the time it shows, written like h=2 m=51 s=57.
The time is h=3 m=12 s=42
